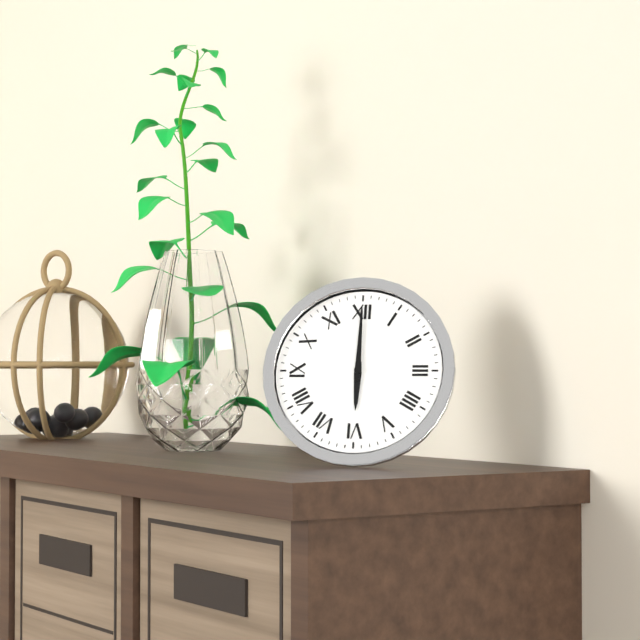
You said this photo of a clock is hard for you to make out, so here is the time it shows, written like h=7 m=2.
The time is h=6 m=0
